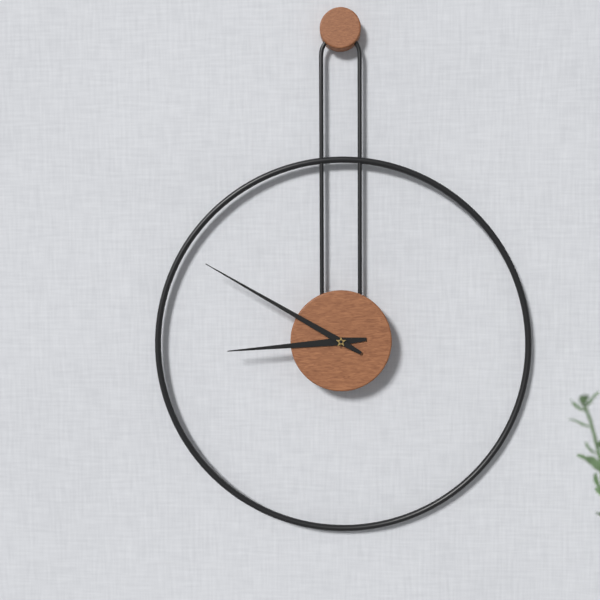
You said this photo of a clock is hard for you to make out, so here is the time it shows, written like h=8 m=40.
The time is h=8 m=50
